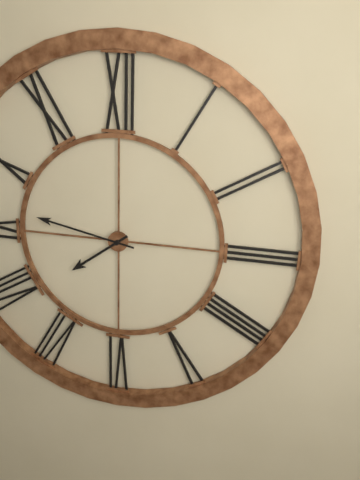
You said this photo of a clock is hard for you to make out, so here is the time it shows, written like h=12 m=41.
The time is h=7 m=47
